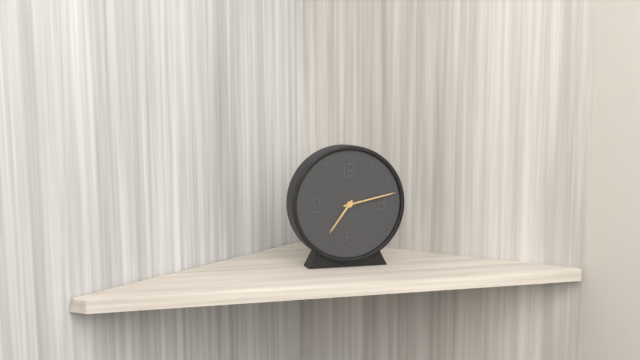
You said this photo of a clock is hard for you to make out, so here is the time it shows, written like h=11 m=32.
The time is h=7 m=13
